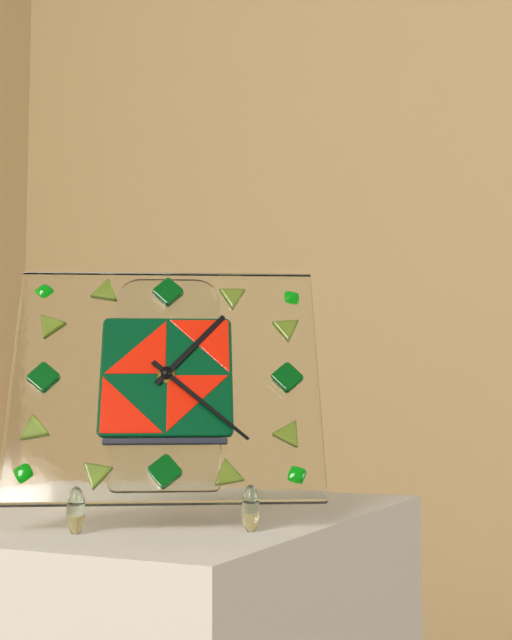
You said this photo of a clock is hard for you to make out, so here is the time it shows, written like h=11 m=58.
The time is h=1 m=22
